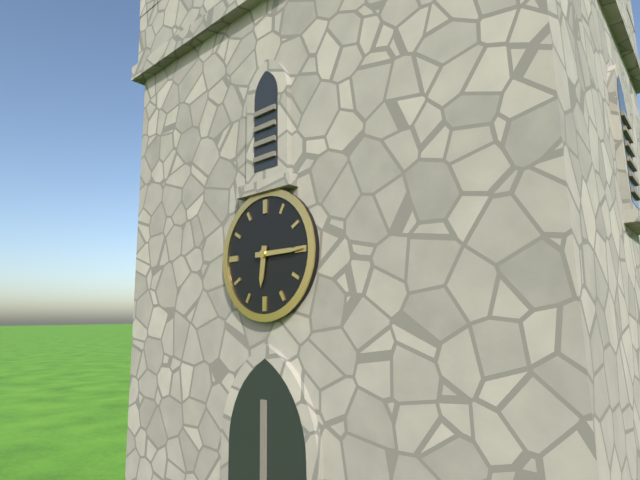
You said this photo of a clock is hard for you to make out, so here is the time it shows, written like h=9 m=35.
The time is h=6 m=15
